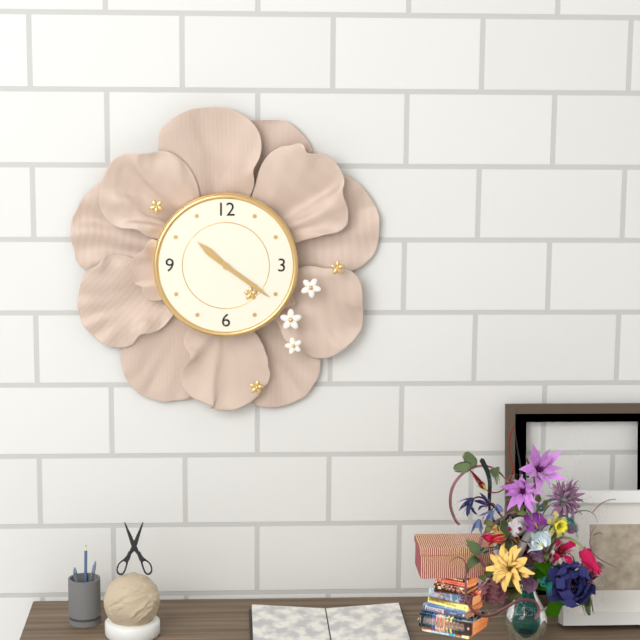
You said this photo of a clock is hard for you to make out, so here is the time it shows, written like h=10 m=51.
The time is h=10 m=21
